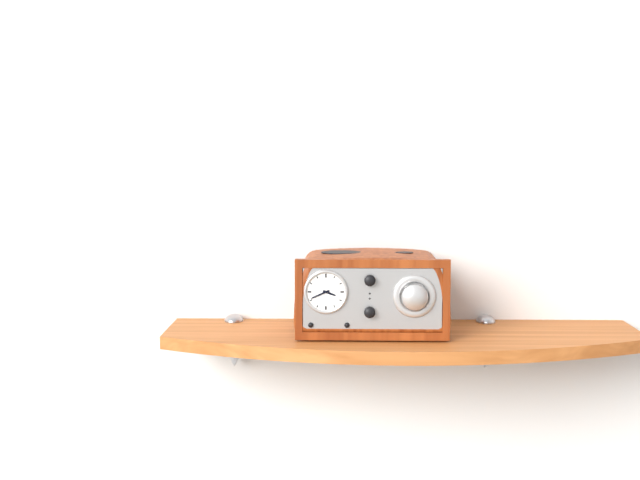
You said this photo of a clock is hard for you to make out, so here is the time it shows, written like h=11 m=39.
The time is h=3 m=41
